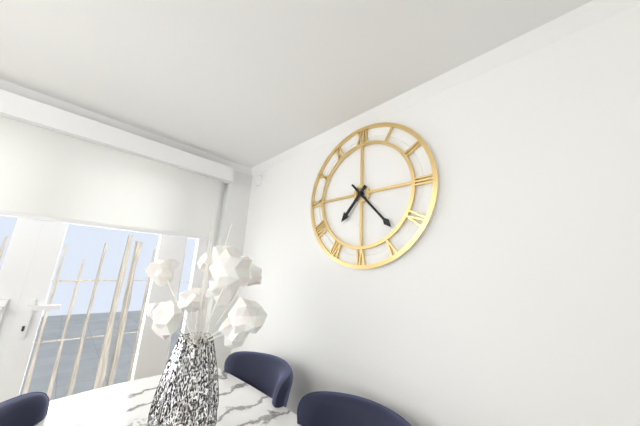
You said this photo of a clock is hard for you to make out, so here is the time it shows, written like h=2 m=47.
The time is h=7 m=23
